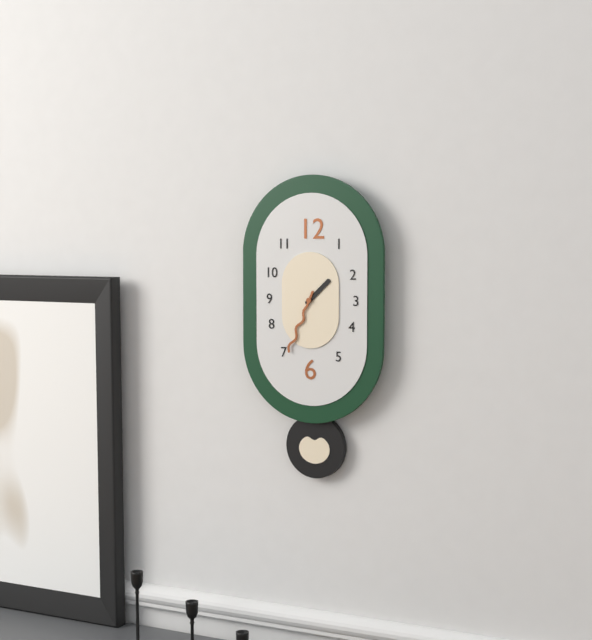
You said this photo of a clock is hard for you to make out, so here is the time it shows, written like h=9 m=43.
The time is h=1 m=34
